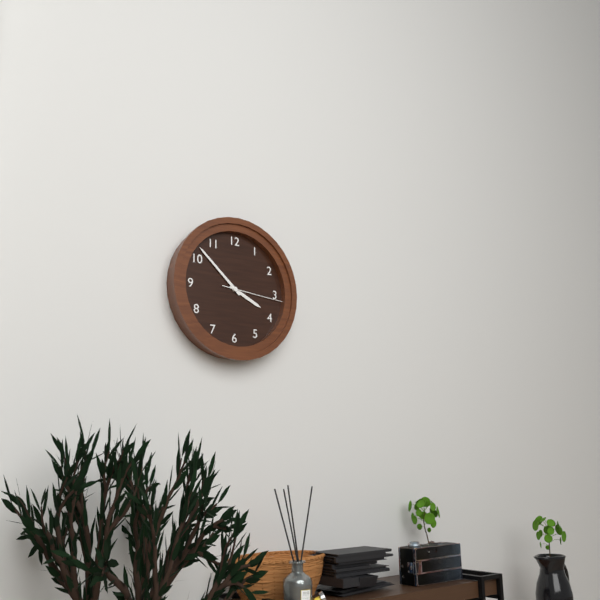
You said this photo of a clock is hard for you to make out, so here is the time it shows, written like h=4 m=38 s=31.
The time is h=3 m=52 s=16
